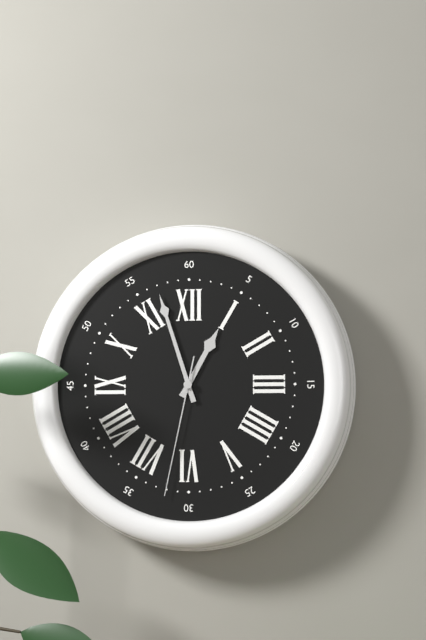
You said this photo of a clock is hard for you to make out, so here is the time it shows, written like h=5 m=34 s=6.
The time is h=12 m=57 s=32
